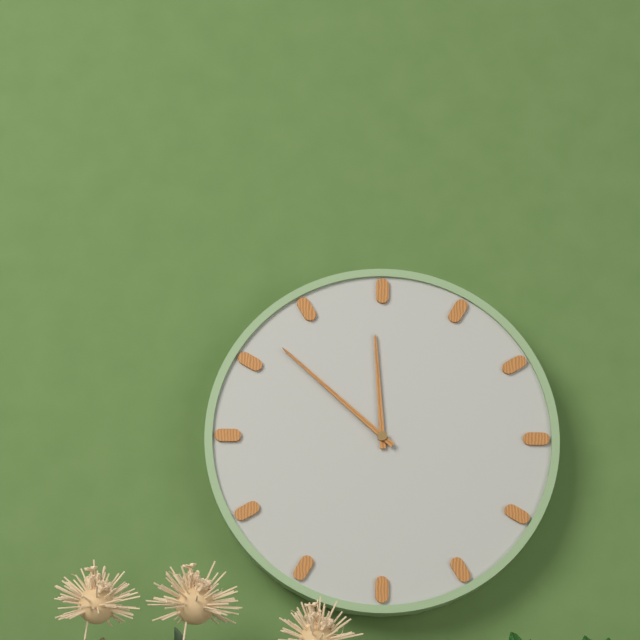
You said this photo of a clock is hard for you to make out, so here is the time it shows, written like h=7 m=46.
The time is h=11 m=52
